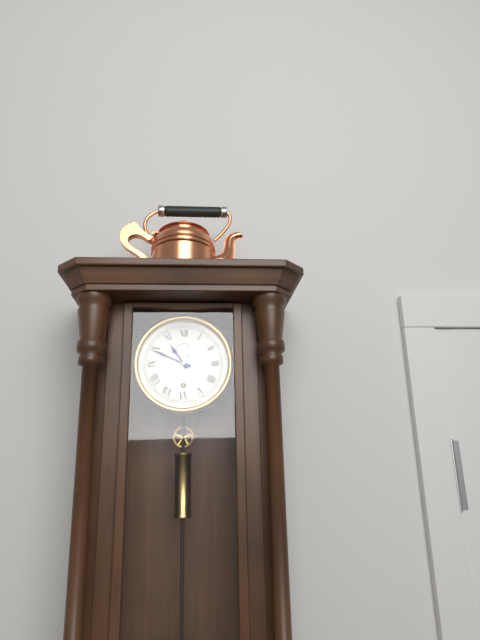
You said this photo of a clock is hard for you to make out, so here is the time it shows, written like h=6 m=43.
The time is h=10 m=49
